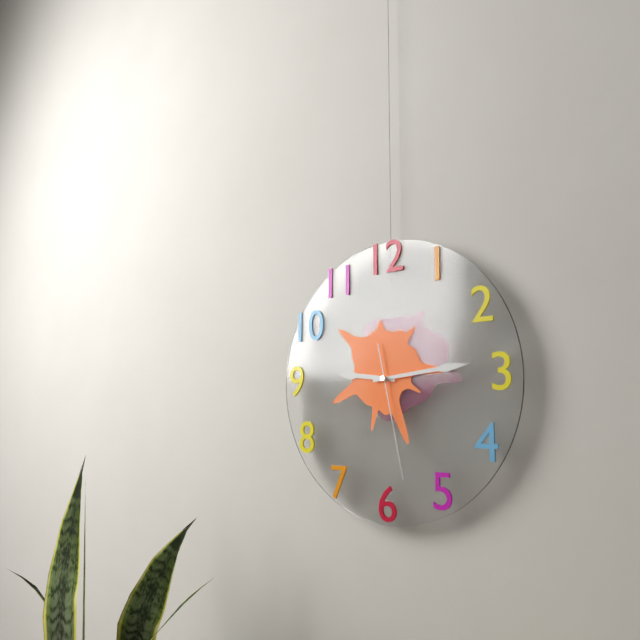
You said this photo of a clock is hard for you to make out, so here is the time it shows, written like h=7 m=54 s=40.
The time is h=9 m=14 s=28
